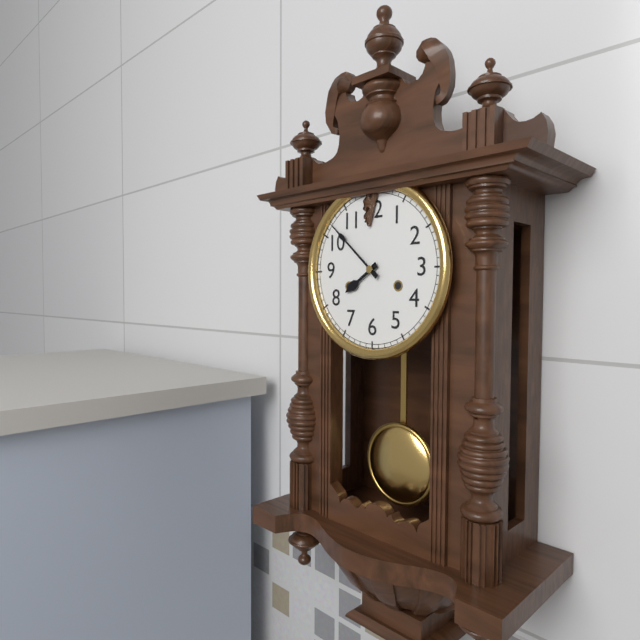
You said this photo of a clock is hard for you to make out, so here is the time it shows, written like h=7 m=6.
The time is h=7 m=52
